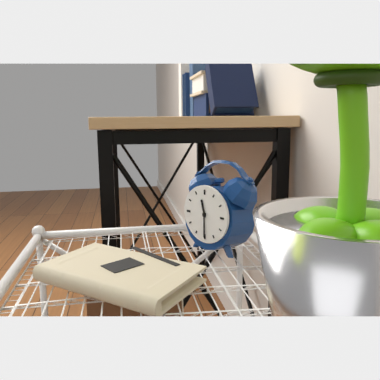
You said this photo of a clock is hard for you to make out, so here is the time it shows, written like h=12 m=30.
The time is h=11 m=30
